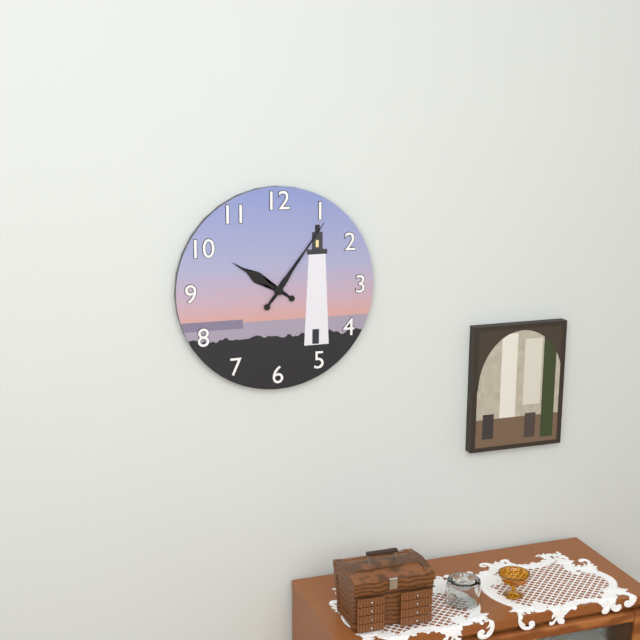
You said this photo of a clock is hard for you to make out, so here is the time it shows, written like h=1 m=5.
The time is h=10 m=6
